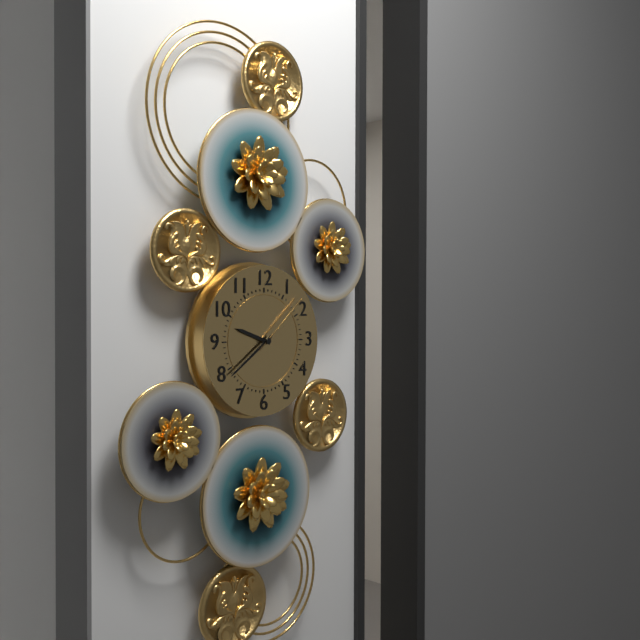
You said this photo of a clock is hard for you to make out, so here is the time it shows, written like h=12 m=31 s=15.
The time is h=9 m=39 s=8
